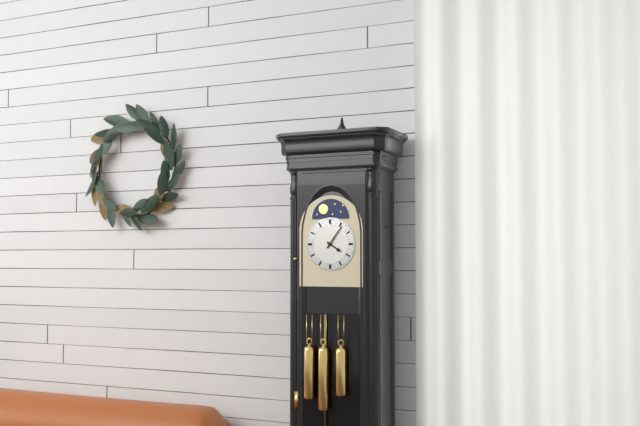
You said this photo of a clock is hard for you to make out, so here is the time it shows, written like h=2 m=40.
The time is h=4 m=6
